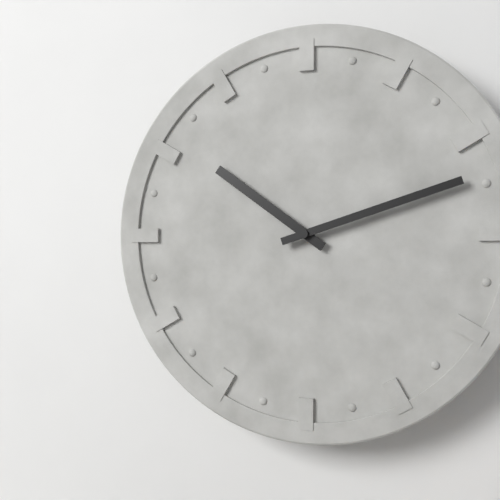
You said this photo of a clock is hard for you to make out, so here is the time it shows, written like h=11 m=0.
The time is h=10 m=12
